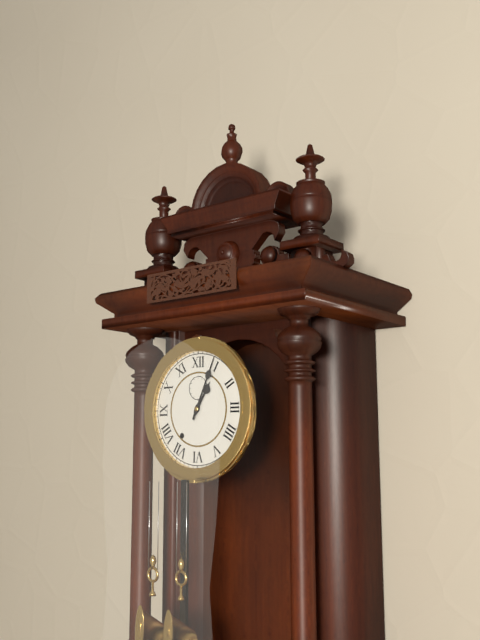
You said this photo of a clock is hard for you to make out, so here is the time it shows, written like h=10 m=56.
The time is h=1 m=4
